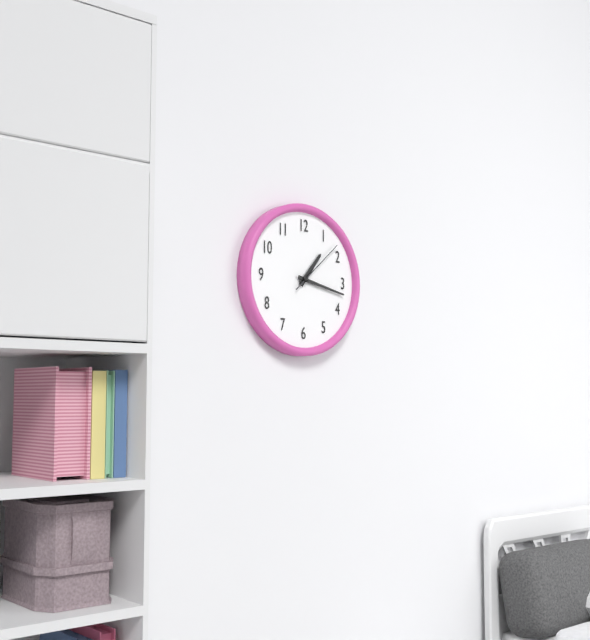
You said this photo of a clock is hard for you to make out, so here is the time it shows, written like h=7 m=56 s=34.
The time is h=1 m=17 s=8
